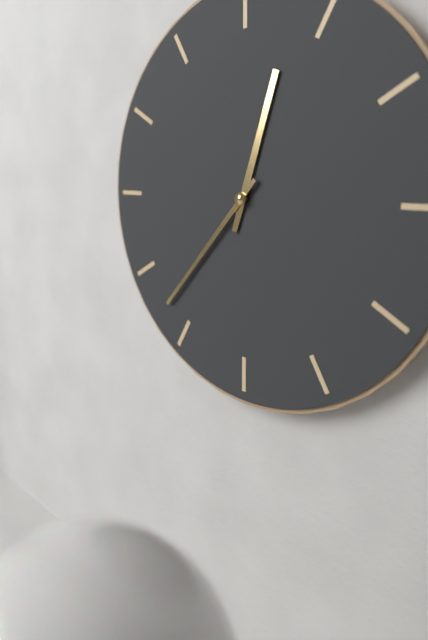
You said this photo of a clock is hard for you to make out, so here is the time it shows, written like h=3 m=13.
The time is h=12 m=37
